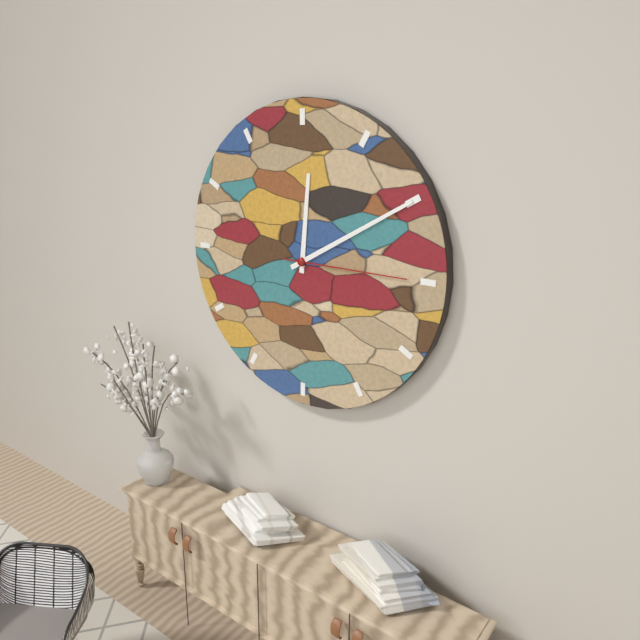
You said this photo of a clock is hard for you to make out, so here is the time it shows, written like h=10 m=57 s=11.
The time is h=12 m=10 s=15
